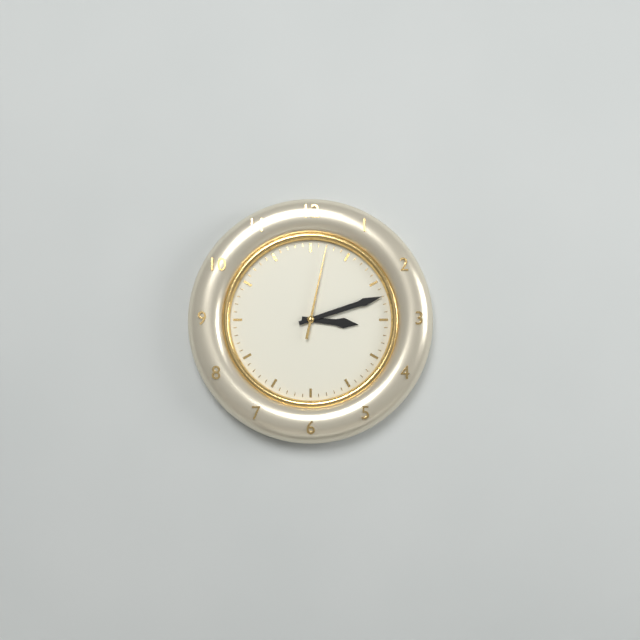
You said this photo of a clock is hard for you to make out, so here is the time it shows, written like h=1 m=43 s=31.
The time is h=3 m=12 s=2
